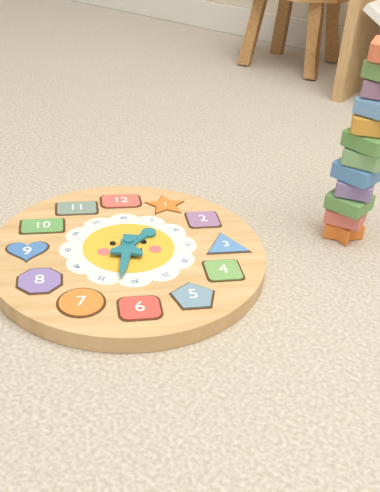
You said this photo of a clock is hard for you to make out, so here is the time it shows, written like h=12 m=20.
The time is h=1 m=32
